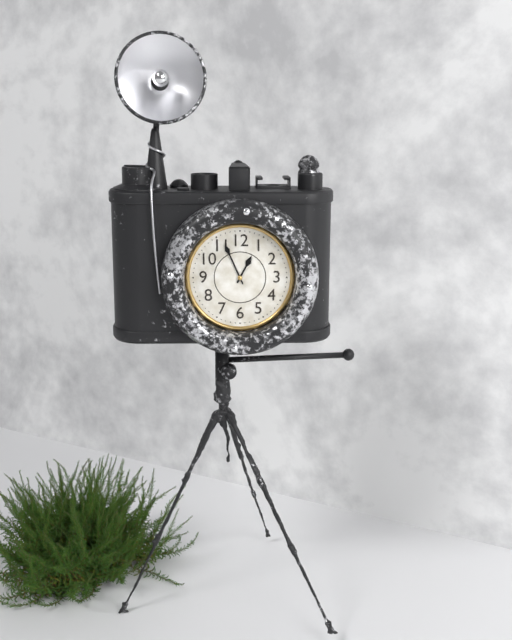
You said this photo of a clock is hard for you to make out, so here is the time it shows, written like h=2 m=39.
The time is h=12 m=56
